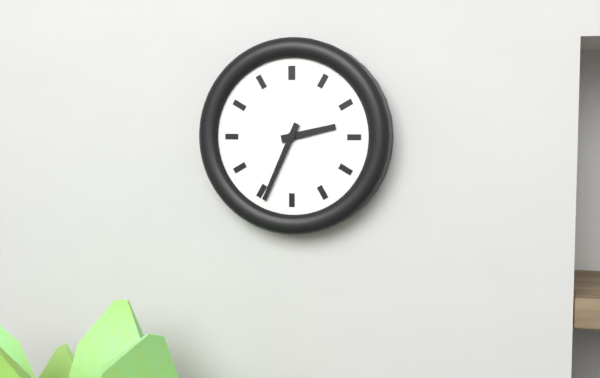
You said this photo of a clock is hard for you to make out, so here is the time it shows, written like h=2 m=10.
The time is h=2 m=34
